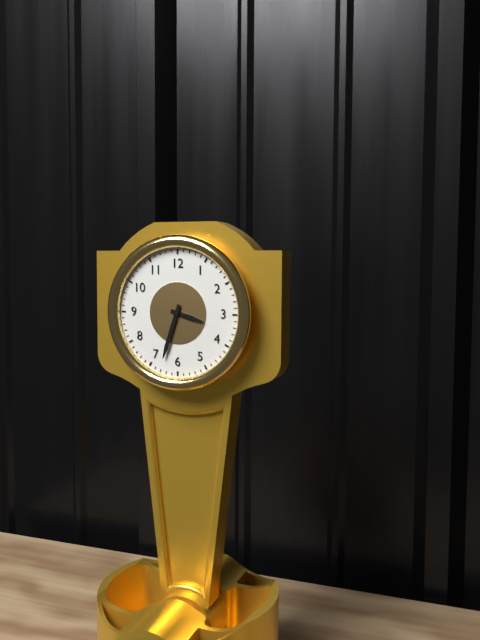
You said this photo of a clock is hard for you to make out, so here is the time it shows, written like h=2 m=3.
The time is h=3 m=33
